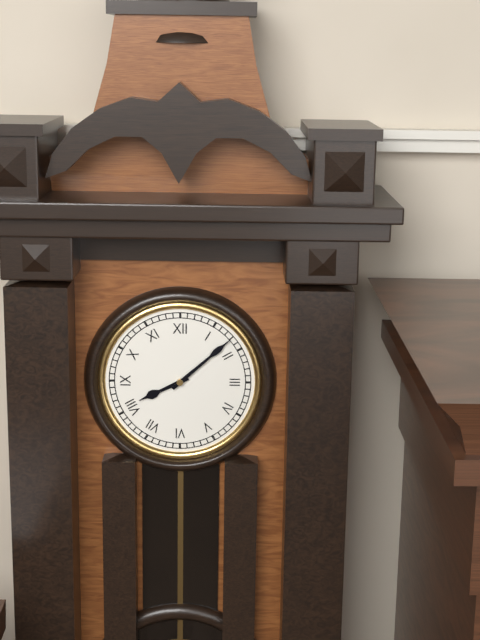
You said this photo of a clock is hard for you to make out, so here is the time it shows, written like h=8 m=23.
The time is h=8 m=8
